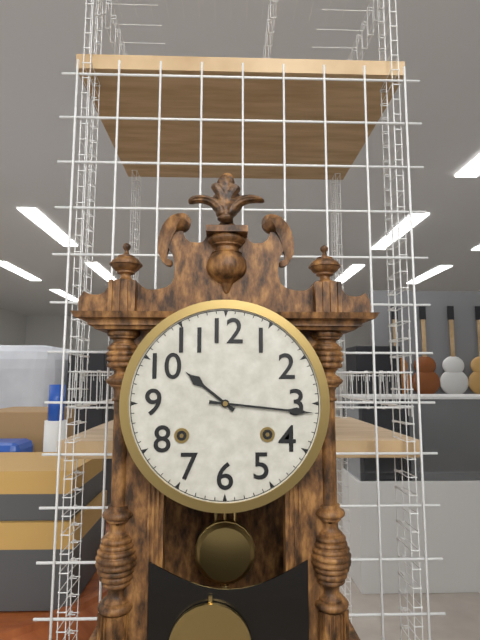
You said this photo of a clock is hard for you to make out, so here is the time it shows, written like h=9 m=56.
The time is h=10 m=16
